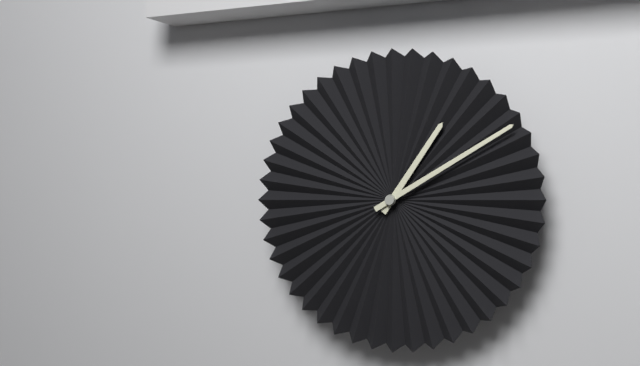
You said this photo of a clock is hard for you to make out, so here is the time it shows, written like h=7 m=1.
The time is h=1 m=10
